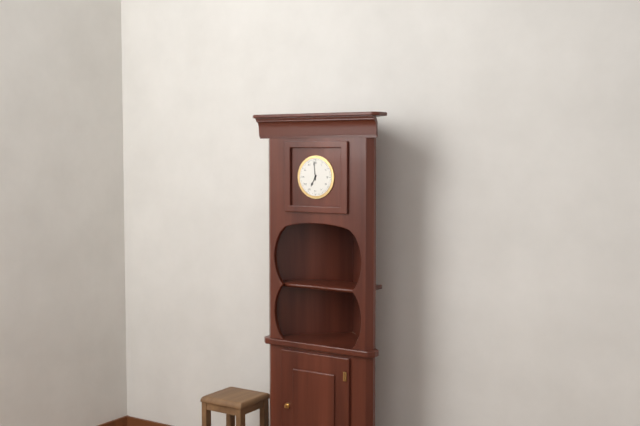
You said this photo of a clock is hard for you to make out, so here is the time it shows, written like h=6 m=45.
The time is h=6 m=59
